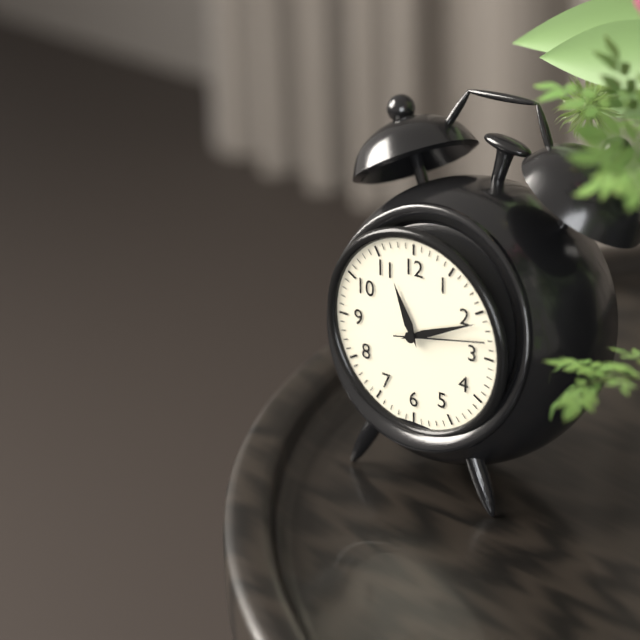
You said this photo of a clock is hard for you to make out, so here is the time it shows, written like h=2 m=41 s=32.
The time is h=11 m=11 s=13
